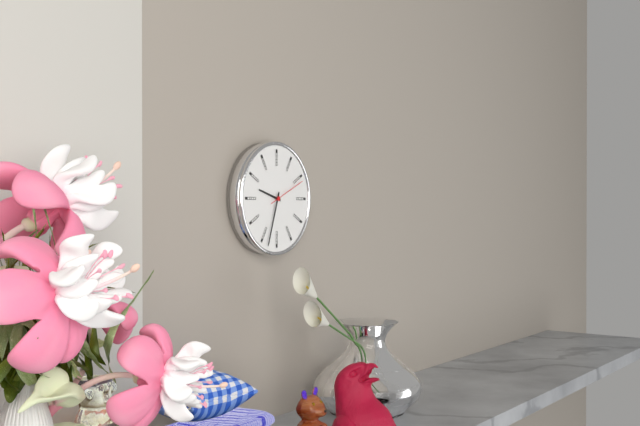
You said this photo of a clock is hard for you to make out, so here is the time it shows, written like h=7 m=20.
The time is h=9 m=33
